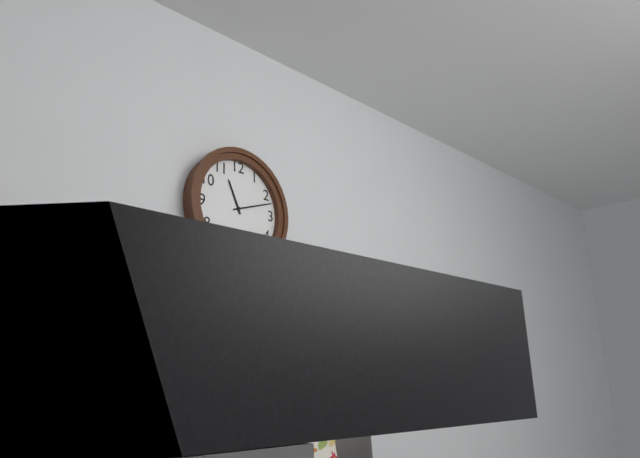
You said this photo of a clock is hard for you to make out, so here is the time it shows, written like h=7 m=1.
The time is h=11 m=12
